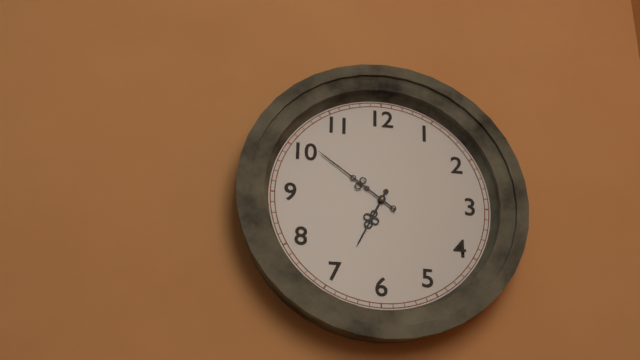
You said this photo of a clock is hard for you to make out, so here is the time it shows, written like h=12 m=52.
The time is h=6 m=51
